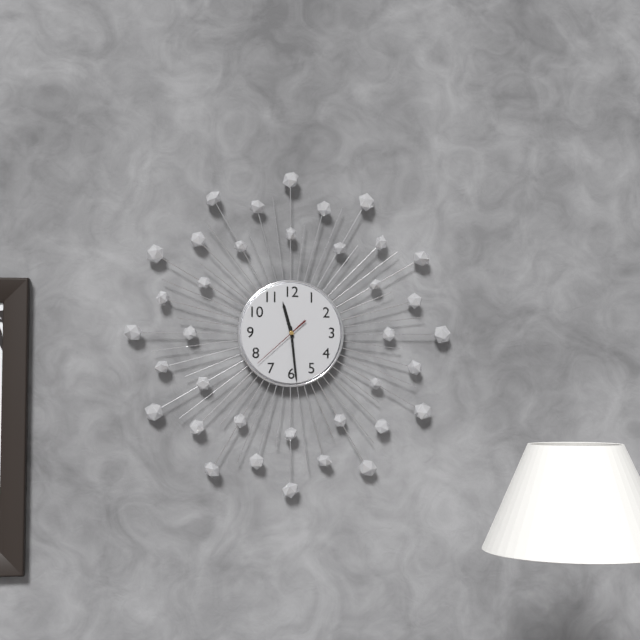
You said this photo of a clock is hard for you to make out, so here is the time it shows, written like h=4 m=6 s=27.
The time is h=11 m=29 s=38
